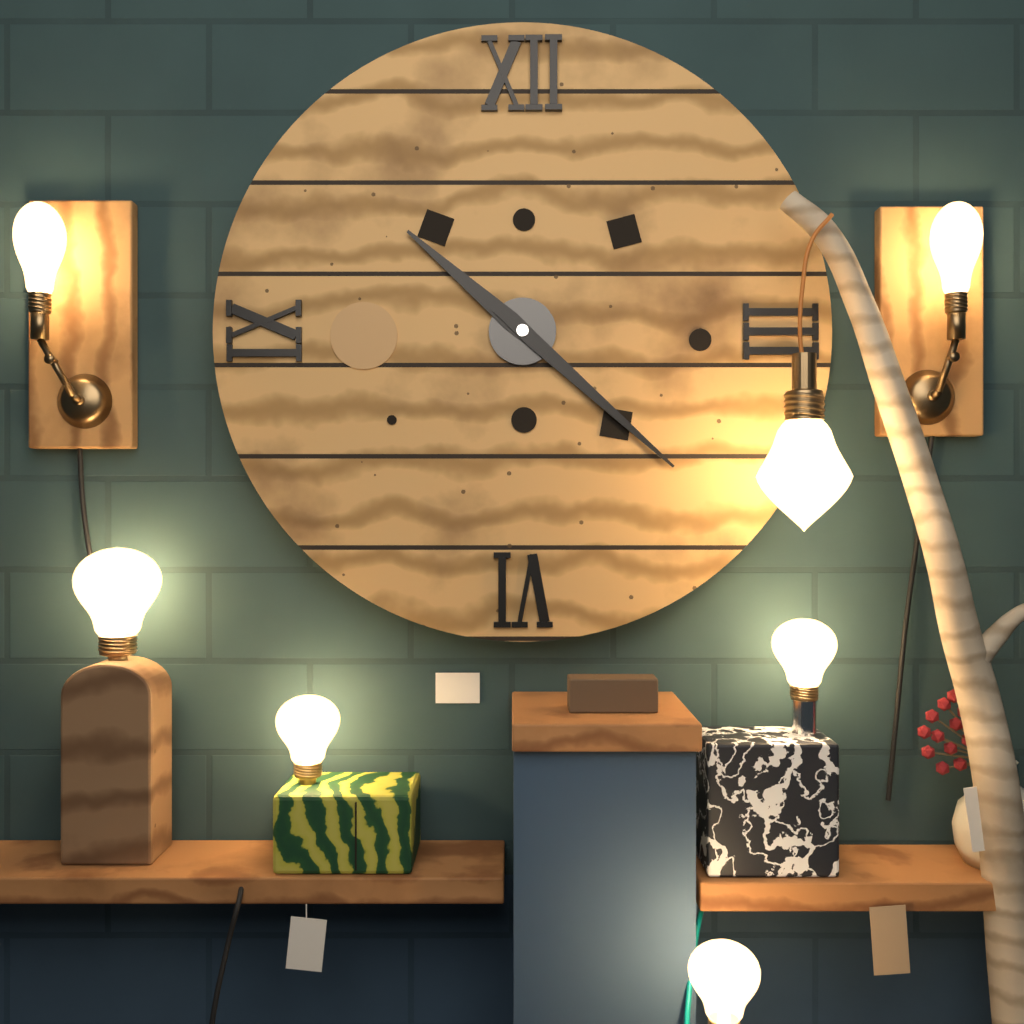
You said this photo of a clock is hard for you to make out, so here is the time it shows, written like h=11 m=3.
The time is h=10 m=22
